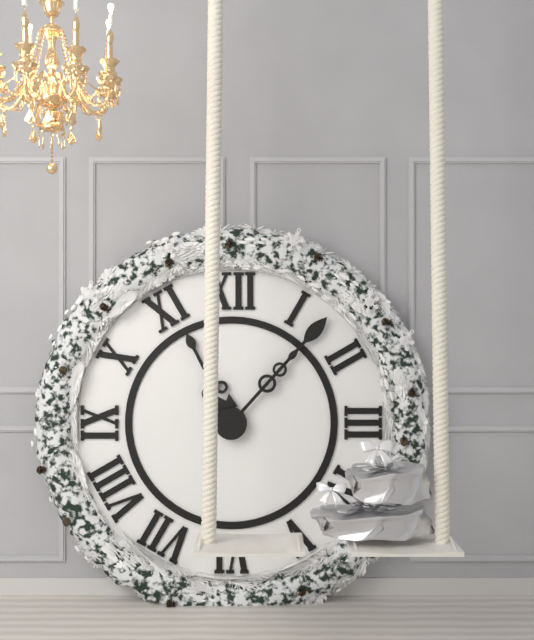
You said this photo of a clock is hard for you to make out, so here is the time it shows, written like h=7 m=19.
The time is h=11 m=7
